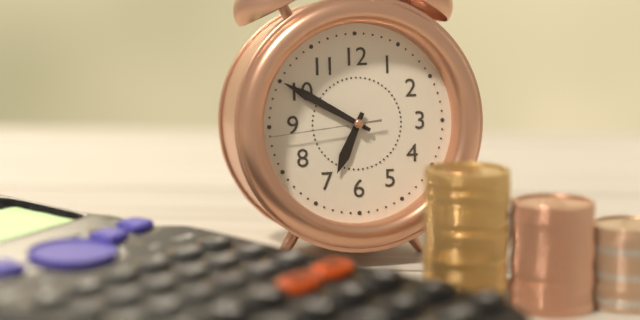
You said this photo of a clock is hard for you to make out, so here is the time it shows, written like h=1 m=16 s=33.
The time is h=6 m=50 s=44
